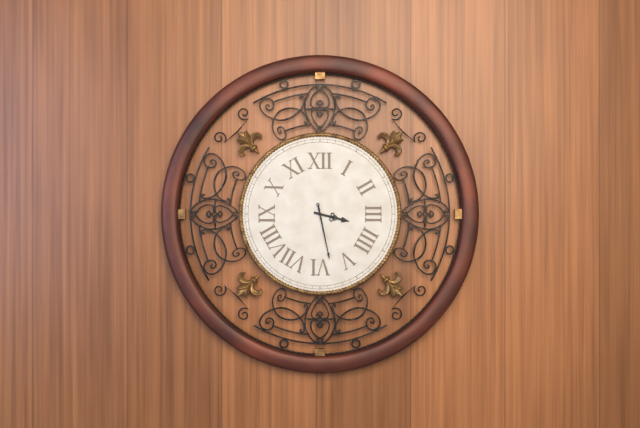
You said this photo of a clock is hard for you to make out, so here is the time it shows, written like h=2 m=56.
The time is h=3 m=28
